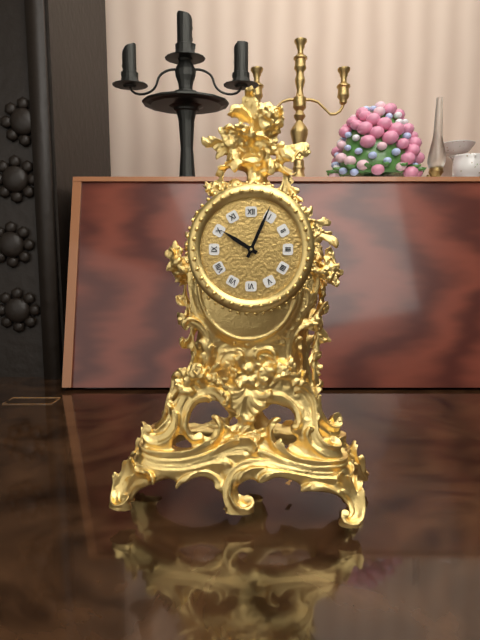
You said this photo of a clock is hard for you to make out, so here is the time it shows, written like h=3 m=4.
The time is h=10 m=4
